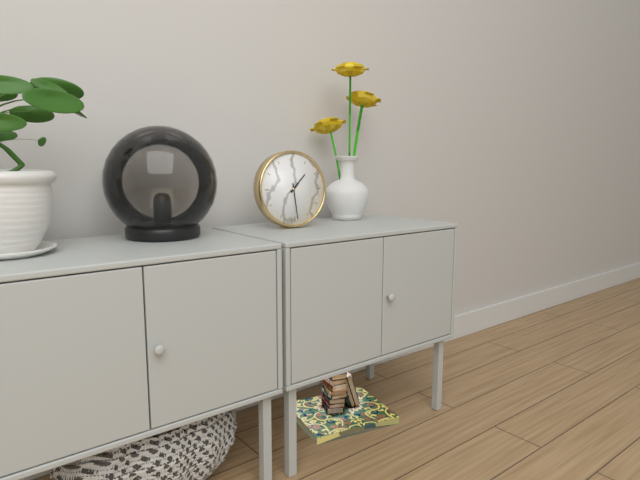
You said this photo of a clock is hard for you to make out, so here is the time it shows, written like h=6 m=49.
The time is h=1 m=29
